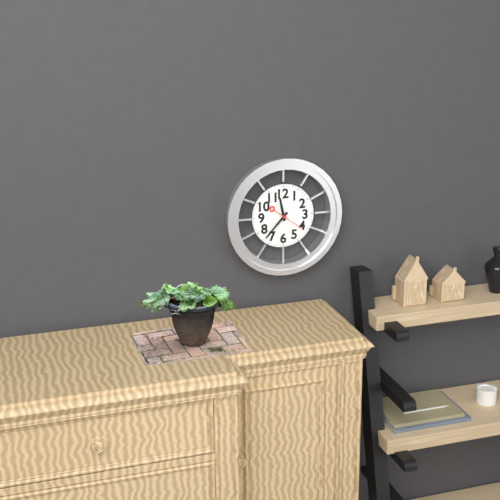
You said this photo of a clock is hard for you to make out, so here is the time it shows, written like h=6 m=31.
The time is h=11 m=37
